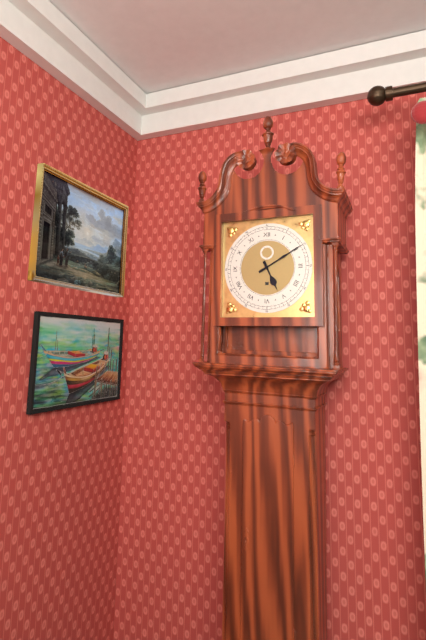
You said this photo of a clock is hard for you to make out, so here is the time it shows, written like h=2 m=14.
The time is h=5 m=10
